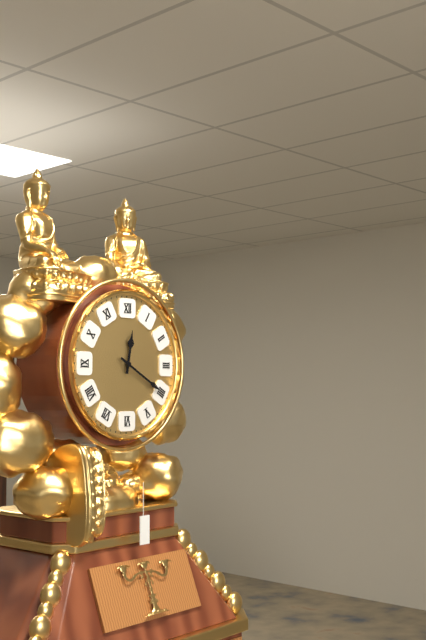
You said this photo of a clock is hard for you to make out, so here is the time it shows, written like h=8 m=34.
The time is h=12 m=20
